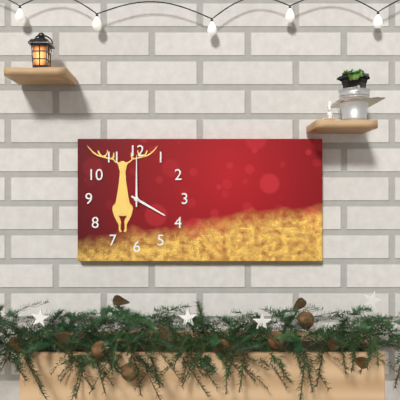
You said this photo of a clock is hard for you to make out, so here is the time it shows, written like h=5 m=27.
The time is h=4 m=0
